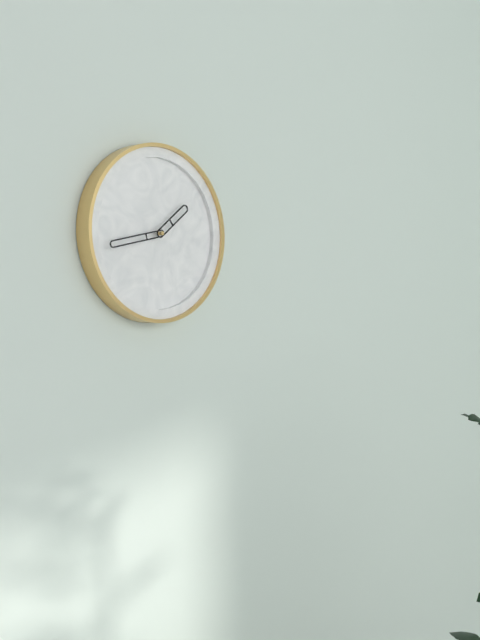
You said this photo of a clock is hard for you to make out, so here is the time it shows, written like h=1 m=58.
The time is h=1 m=43
